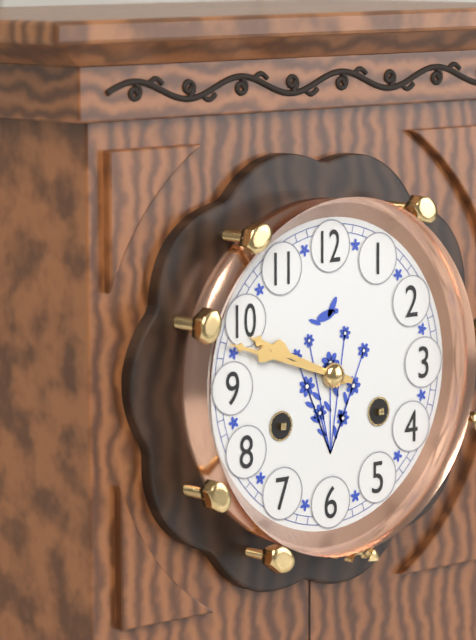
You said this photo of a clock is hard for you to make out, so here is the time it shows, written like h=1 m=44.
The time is h=9 m=48
